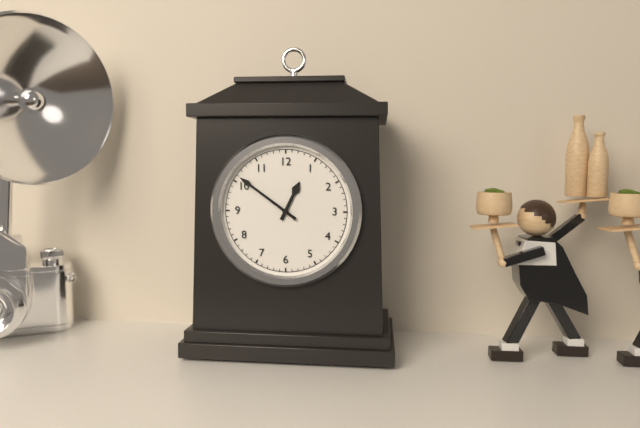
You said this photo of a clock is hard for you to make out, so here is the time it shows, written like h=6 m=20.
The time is h=12 m=51
